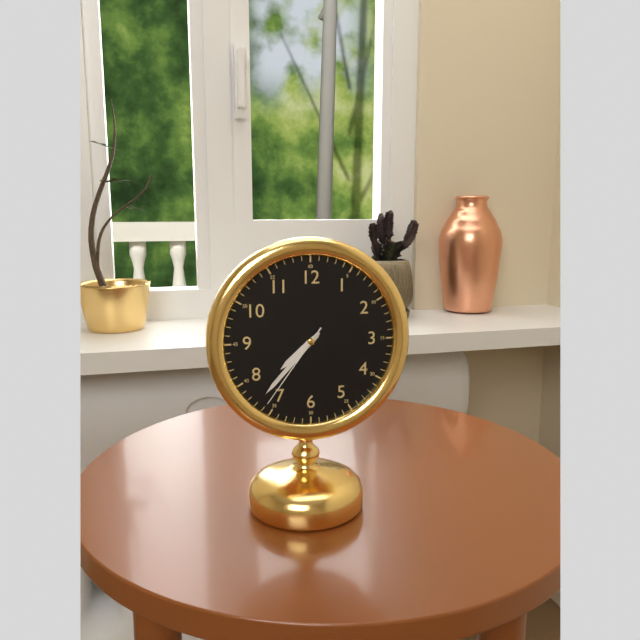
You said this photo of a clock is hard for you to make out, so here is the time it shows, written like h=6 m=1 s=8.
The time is h=7 m=37 s=36
